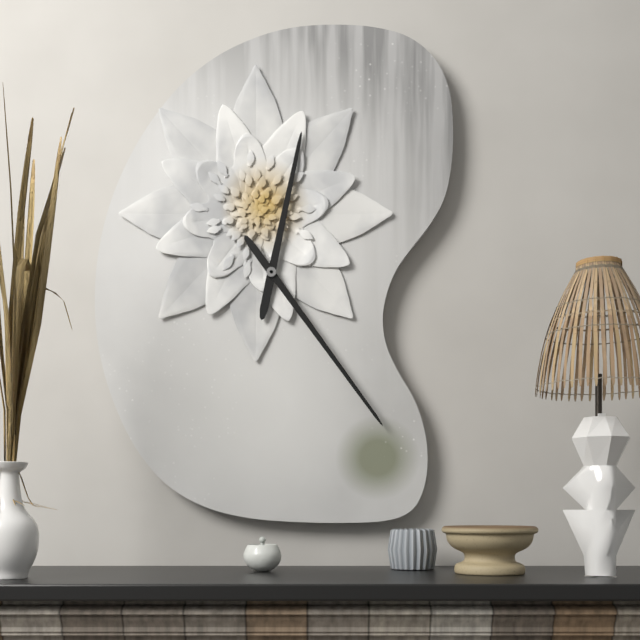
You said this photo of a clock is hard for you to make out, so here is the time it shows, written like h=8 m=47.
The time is h=12 m=24
